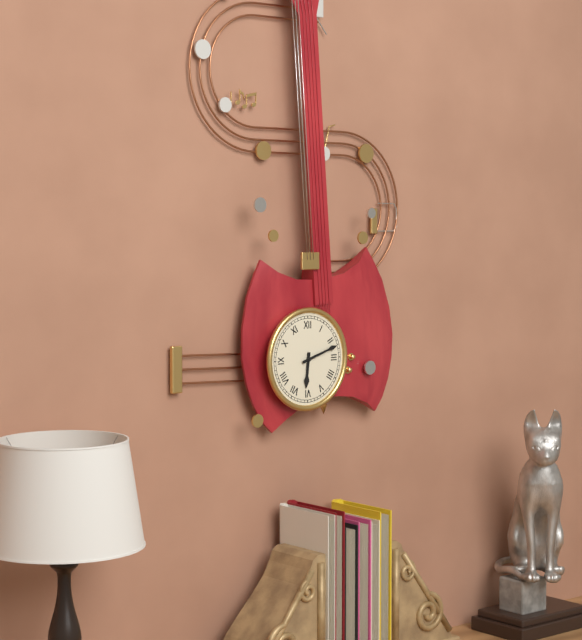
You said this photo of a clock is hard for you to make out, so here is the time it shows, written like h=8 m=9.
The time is h=6 m=12
